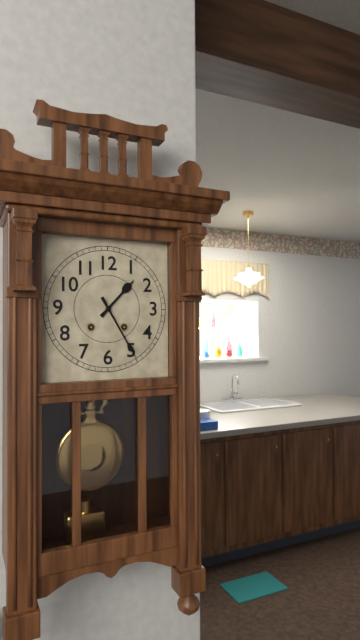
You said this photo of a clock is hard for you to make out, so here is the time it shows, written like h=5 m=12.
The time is h=1 m=25
